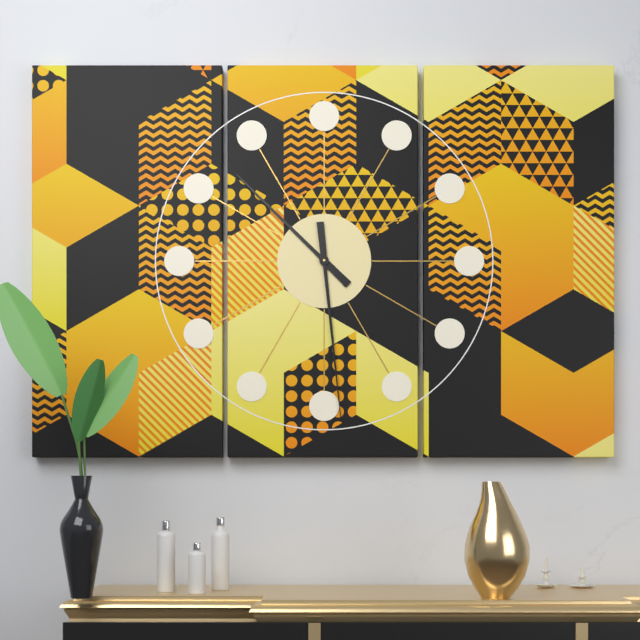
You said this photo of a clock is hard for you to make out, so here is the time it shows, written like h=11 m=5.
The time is h=10 m=29
